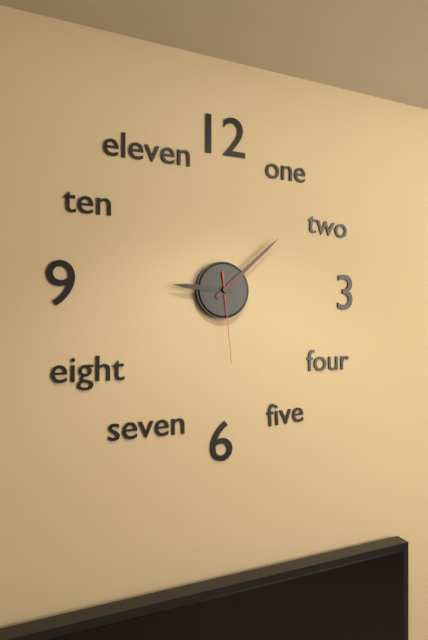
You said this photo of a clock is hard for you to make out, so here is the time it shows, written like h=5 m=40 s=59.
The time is h=9 m=8 s=29
